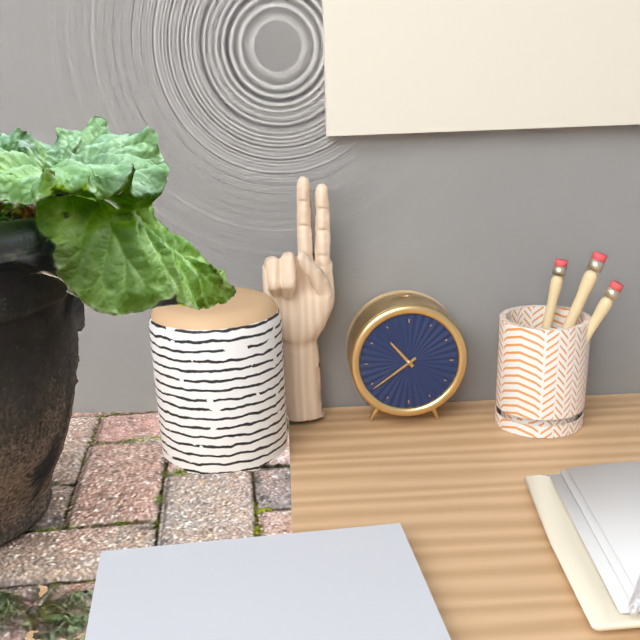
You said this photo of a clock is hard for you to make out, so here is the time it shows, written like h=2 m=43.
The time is h=10 m=39
